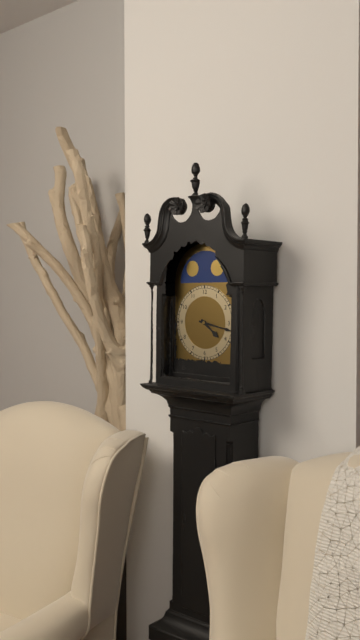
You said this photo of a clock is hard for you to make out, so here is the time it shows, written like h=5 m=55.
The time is h=4 m=17
